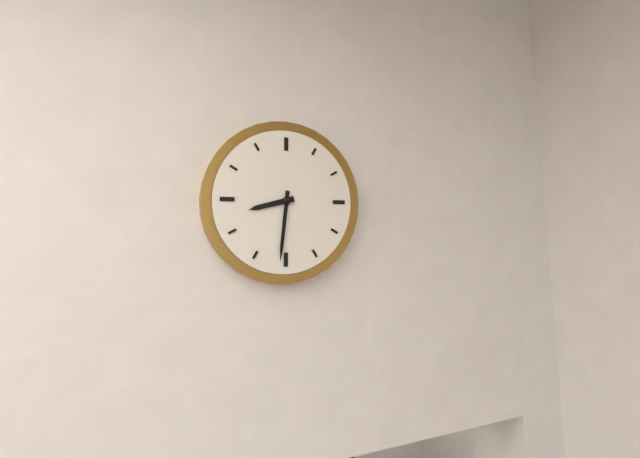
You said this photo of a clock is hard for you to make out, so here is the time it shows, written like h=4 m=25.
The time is h=8 m=31
